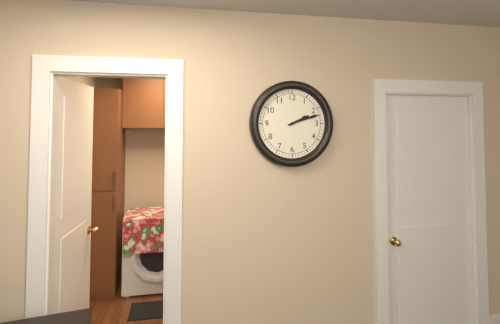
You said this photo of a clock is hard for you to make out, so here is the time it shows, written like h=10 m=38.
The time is h=2 m=12
